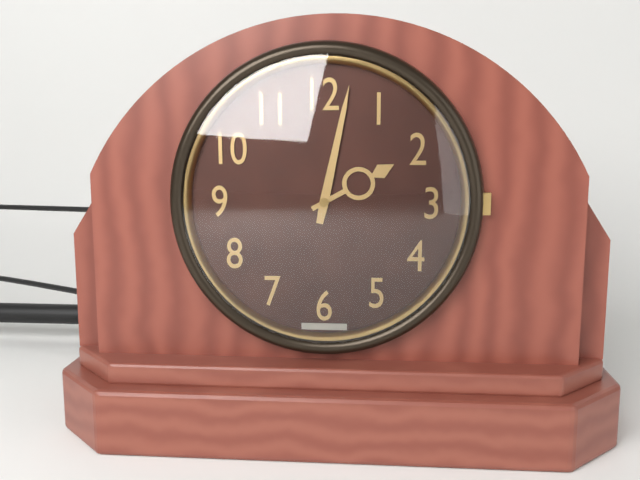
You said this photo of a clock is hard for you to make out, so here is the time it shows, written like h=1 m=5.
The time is h=2 m=2
